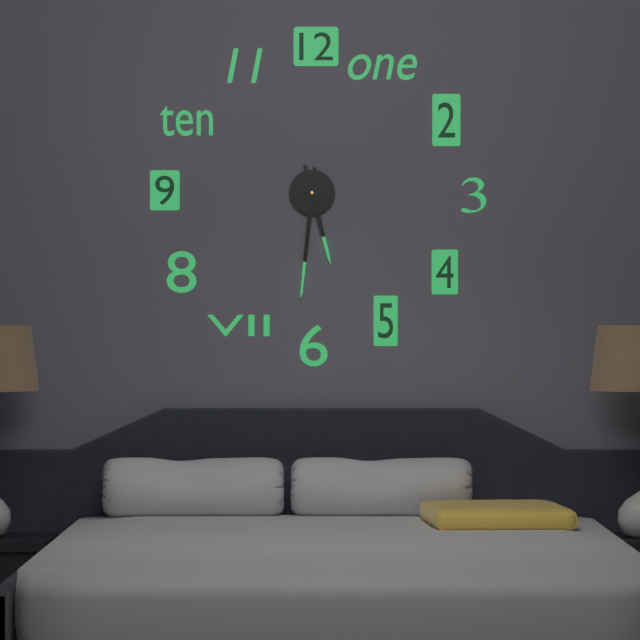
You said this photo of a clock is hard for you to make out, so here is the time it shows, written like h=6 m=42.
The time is h=5 m=31
